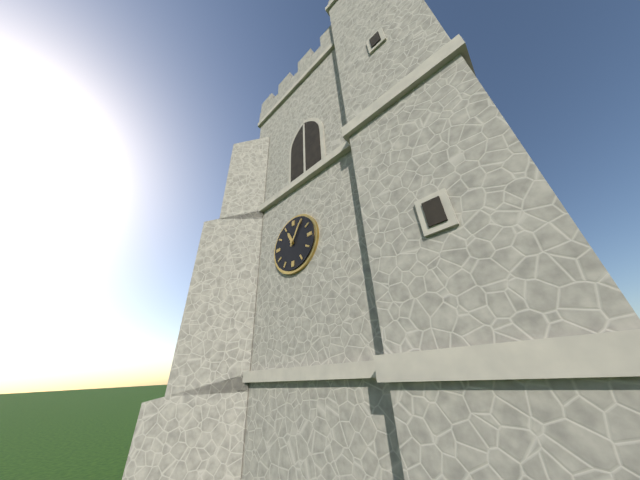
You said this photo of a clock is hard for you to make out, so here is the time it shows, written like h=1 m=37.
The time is h=11 m=5
